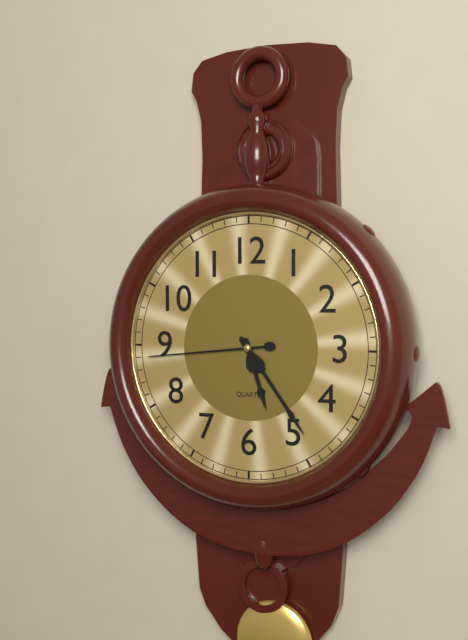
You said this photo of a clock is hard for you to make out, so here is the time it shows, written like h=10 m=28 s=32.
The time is h=5 m=24 s=44
